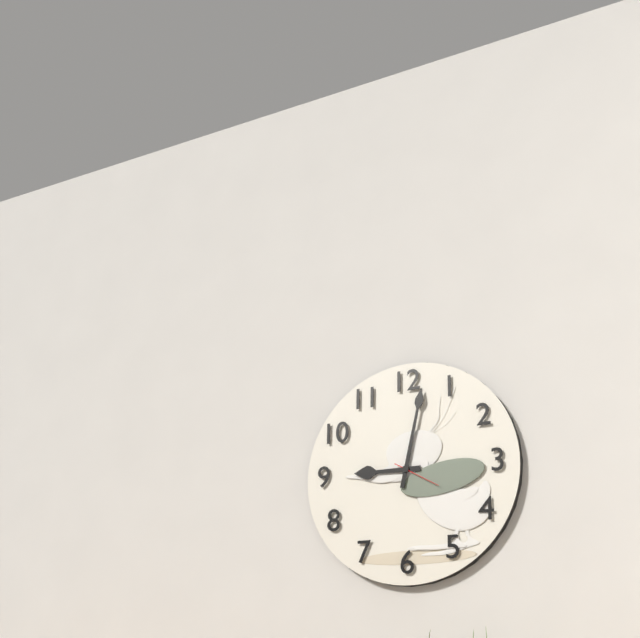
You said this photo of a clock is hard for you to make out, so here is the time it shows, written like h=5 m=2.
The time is h=9 m=2
